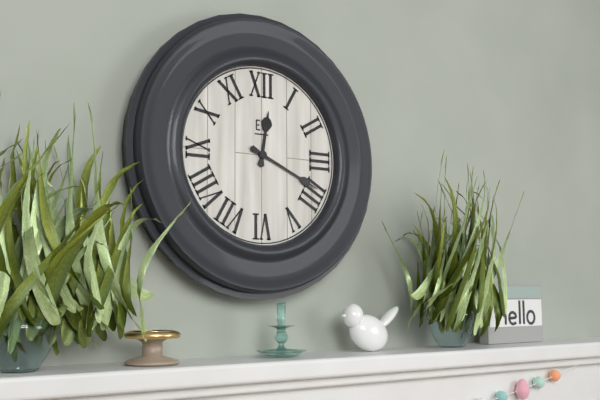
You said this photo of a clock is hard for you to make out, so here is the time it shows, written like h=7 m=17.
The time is h=12 m=19
